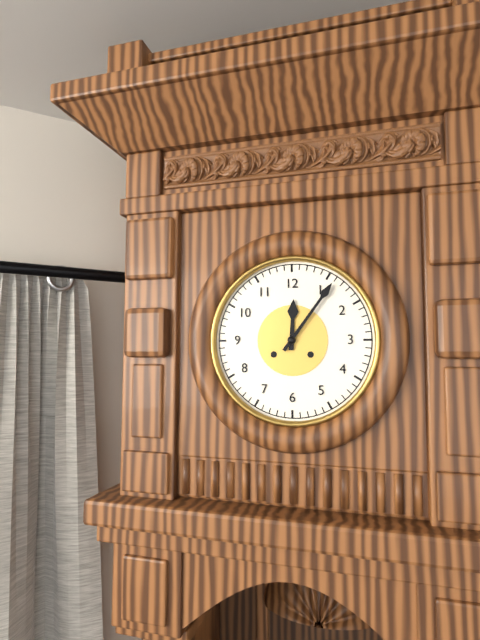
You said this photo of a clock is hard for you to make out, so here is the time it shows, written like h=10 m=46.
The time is h=12 m=6
